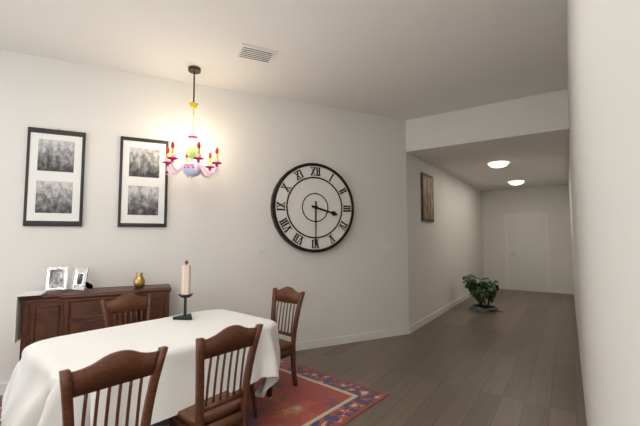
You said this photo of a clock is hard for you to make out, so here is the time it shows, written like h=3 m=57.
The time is h=3 m=30
